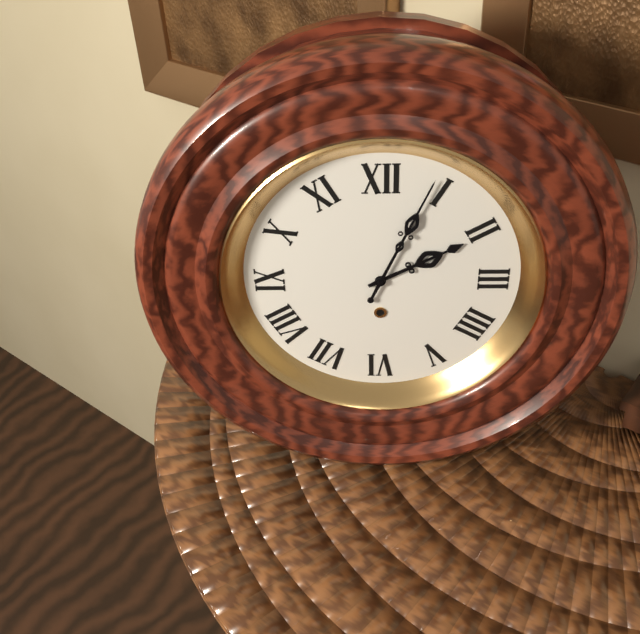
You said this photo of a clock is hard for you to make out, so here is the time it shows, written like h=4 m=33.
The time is h=2 m=4
